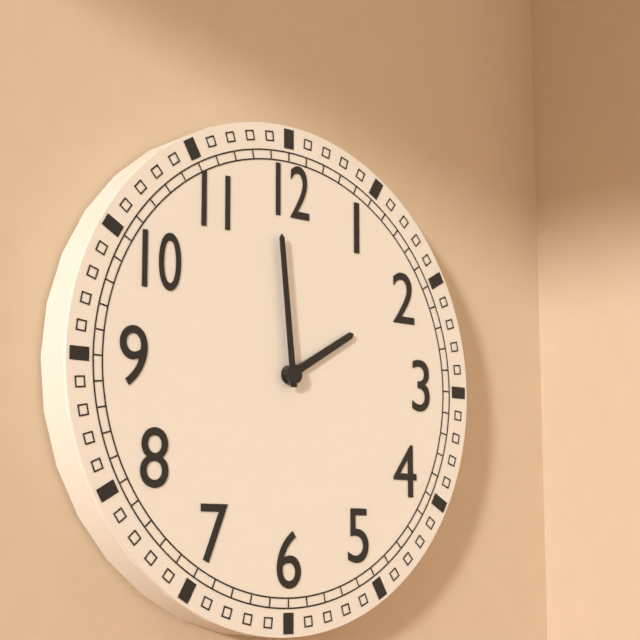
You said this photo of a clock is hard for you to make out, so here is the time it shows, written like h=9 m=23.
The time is h=1 m=59
